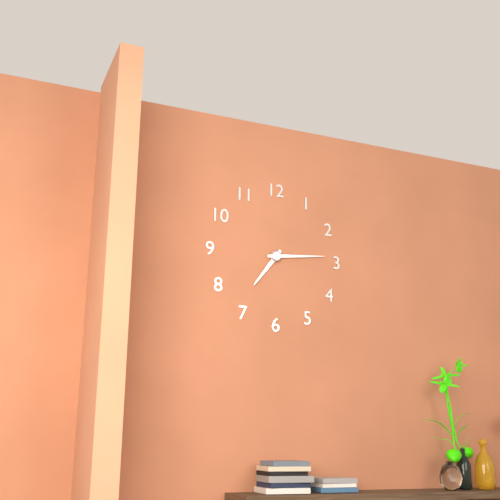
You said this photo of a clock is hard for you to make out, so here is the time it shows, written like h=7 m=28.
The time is h=7 m=14
